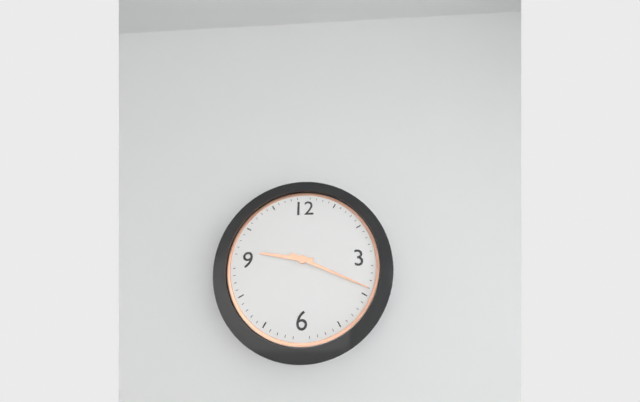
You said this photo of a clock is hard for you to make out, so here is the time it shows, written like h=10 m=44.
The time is h=9 m=19
